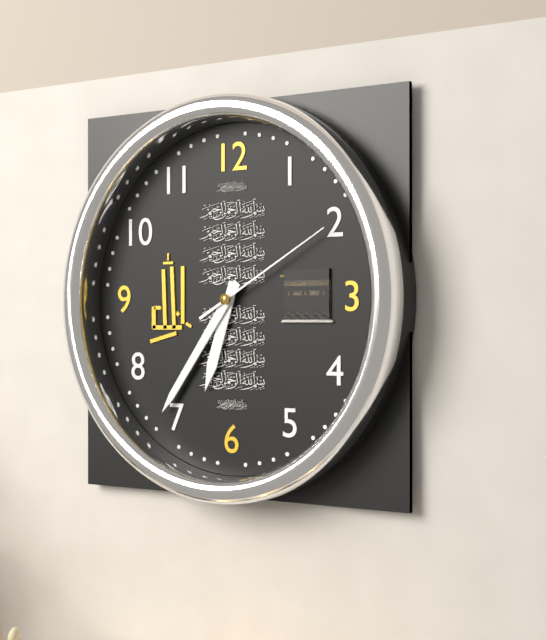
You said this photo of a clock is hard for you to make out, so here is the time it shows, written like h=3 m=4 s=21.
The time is h=6 m=36 s=10
